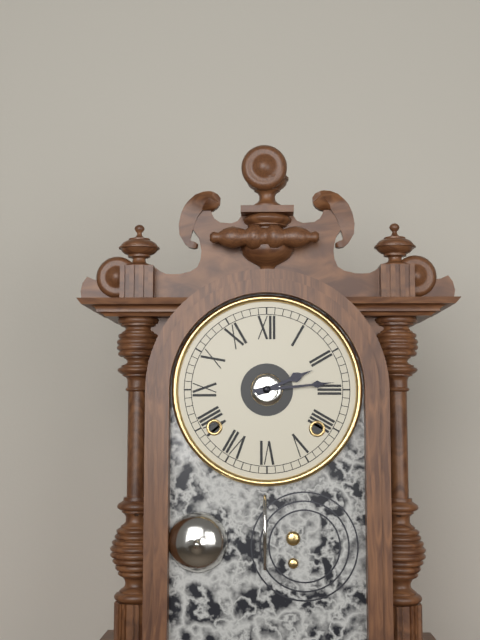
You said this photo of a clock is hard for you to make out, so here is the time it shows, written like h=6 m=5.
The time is h=2 m=14
